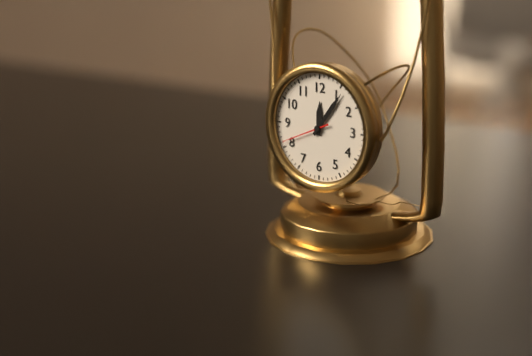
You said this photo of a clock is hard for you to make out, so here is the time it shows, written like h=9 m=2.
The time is h=12 m=6
